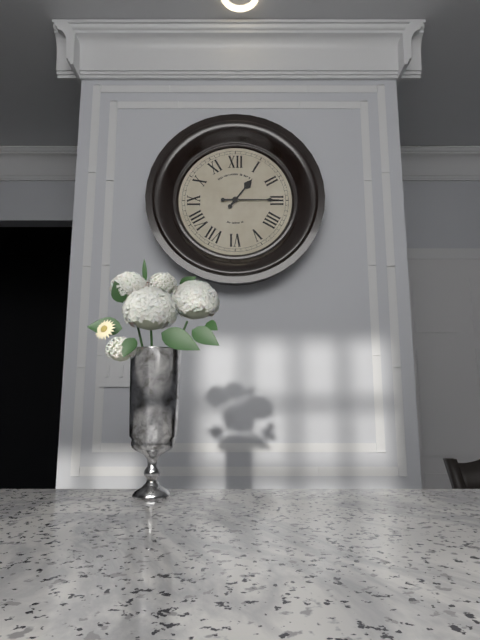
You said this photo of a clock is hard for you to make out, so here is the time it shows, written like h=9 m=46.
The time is h=1 m=15
